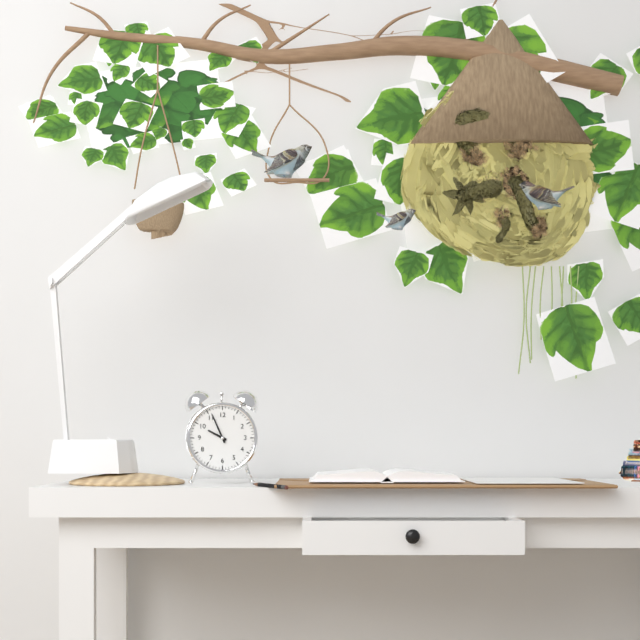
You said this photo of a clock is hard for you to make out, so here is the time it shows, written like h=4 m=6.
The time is h=9 m=56
